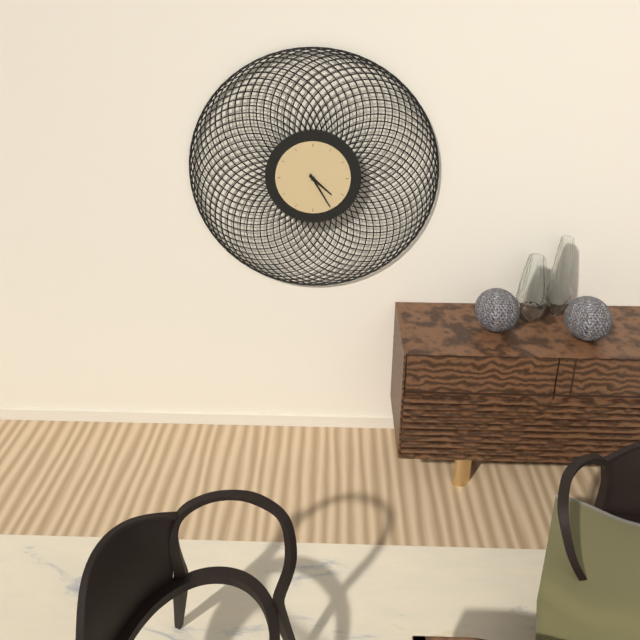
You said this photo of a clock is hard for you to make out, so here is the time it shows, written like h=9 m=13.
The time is h=4 m=25
